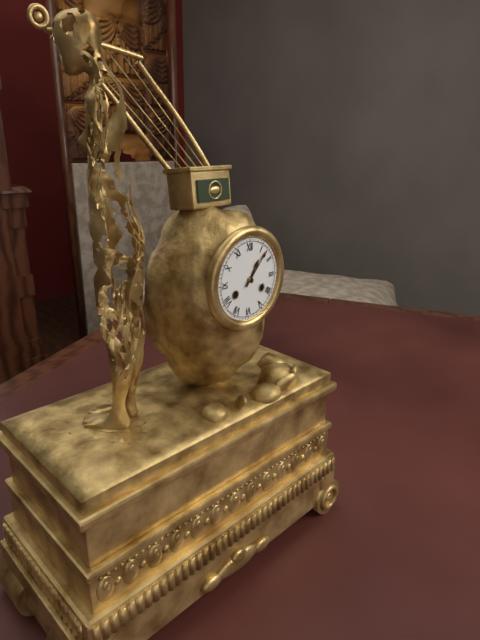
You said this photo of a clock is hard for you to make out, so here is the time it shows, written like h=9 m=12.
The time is h=1 m=7
